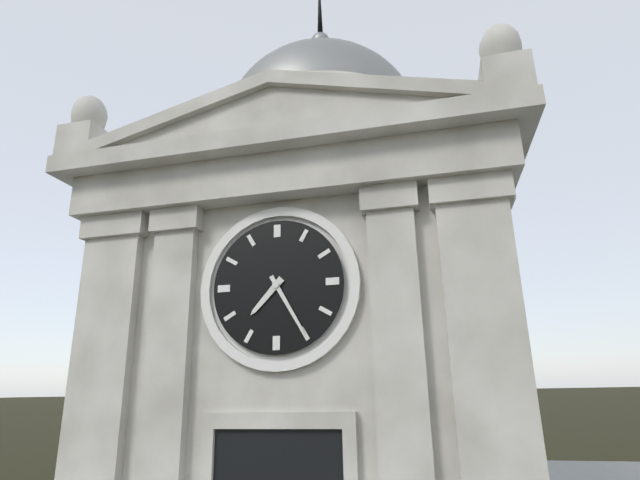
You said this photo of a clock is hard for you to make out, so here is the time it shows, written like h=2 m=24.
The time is h=7 m=25
